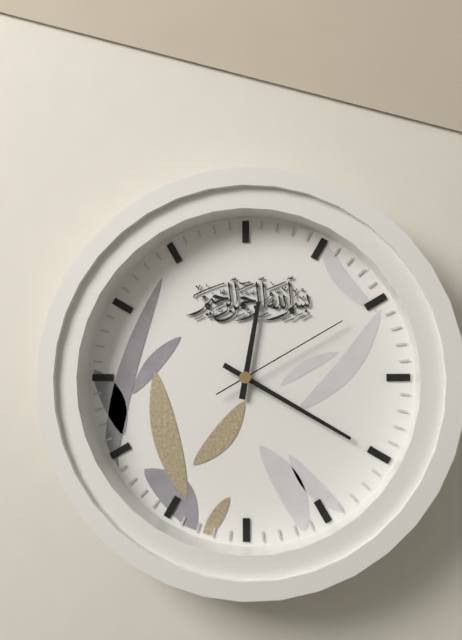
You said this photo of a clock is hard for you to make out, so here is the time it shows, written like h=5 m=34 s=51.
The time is h=12 m=20 s=10
